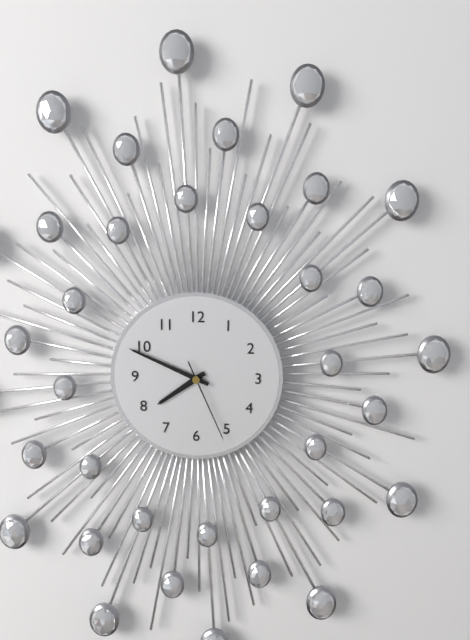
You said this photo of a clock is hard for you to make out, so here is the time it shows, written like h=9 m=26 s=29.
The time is h=7 m=49 s=26
